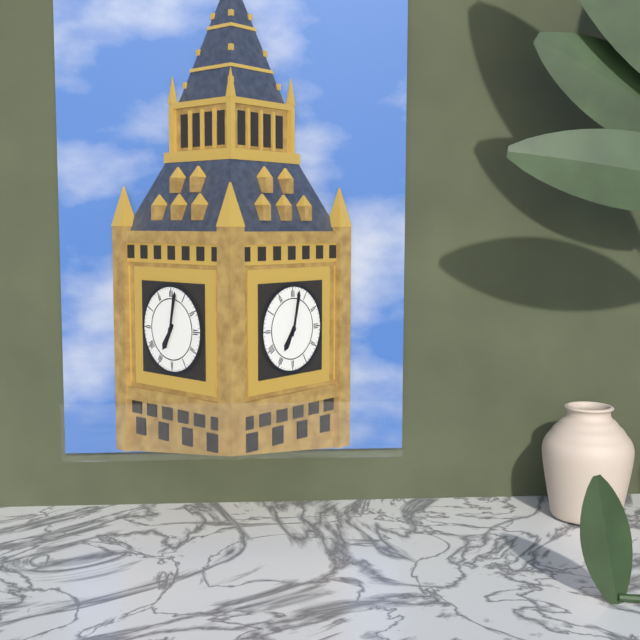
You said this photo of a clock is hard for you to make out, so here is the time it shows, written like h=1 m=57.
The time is h=7 m=2
